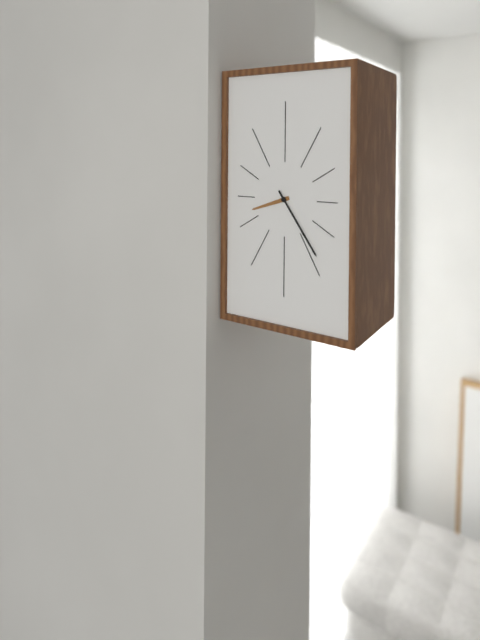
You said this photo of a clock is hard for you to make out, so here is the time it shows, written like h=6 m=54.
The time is h=8 m=24
